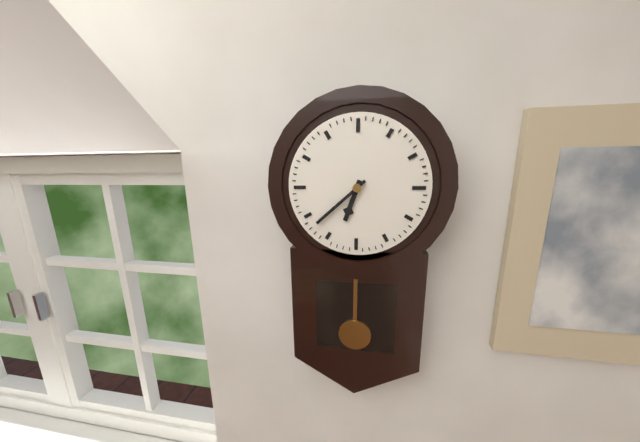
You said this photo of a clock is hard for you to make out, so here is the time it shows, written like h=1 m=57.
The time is h=6 m=38
